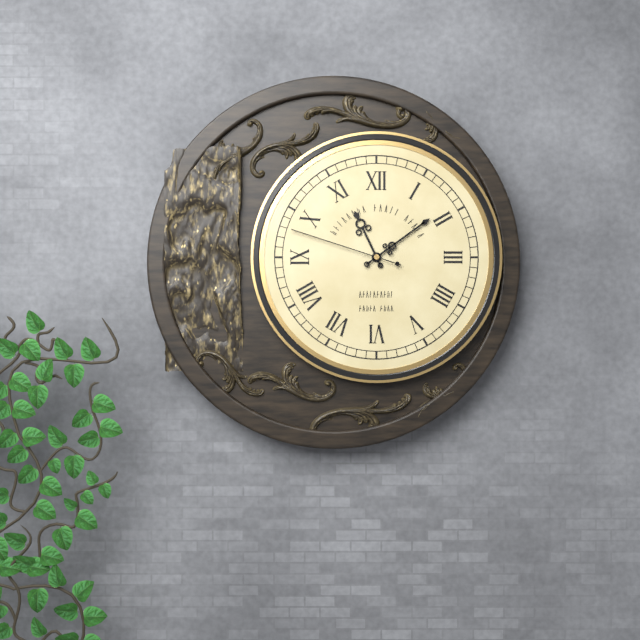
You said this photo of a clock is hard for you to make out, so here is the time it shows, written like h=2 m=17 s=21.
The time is h=11 m=9 s=48
